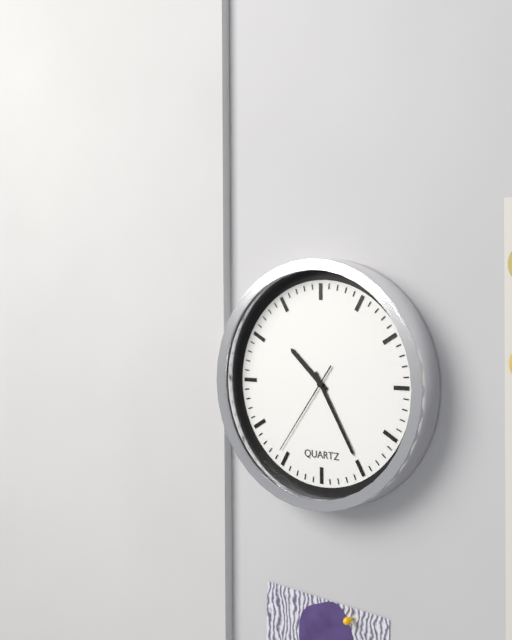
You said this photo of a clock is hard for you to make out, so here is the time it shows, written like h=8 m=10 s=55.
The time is h=10 m=25 s=36
